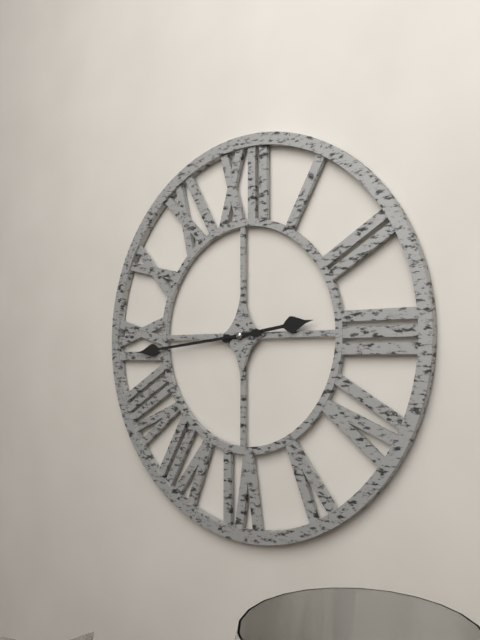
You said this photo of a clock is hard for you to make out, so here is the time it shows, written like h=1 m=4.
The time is h=2 m=44
